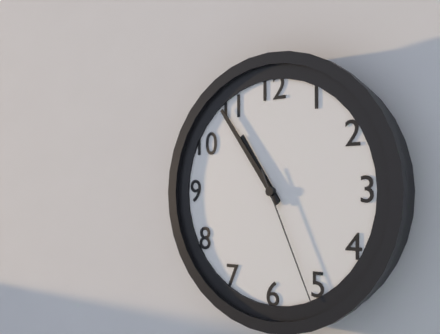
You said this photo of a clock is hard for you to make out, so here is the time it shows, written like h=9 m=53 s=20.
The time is h=10 m=54 s=26
